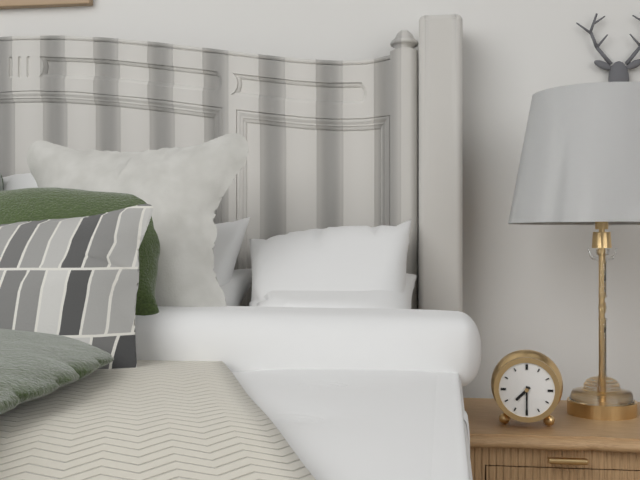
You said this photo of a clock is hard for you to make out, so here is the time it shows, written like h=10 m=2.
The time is h=7 m=30
